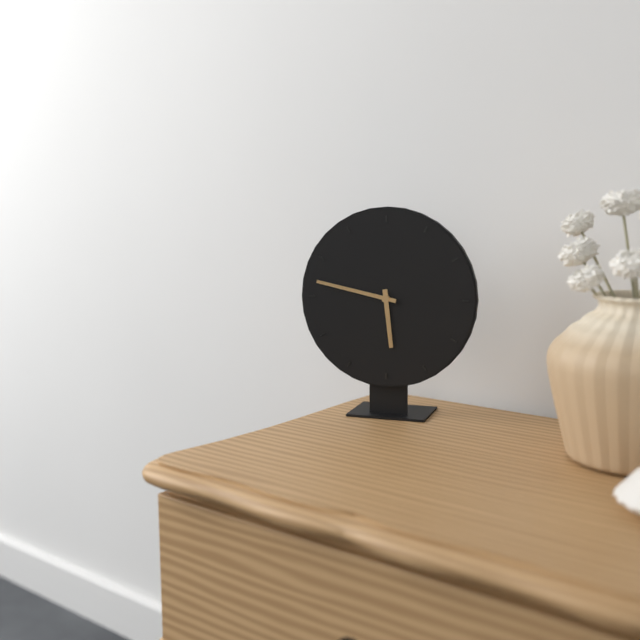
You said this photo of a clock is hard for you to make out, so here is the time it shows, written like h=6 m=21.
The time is h=5 m=47
